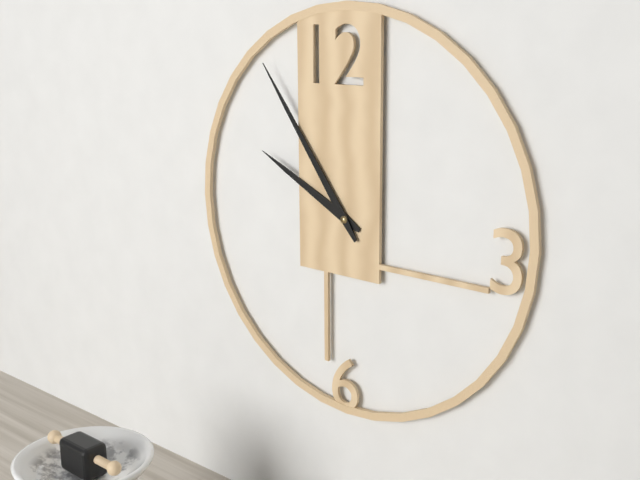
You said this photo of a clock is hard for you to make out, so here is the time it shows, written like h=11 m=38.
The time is h=9 m=54
